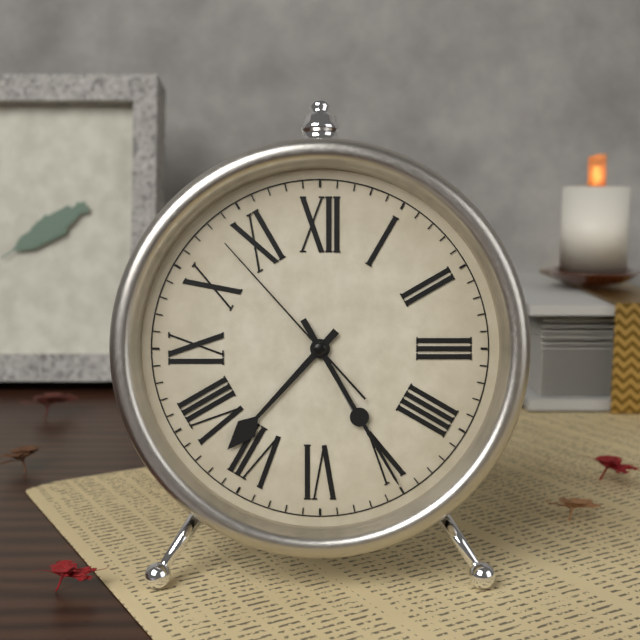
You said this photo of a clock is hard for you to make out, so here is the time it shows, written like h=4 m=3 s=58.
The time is h=7 m=25 s=53
